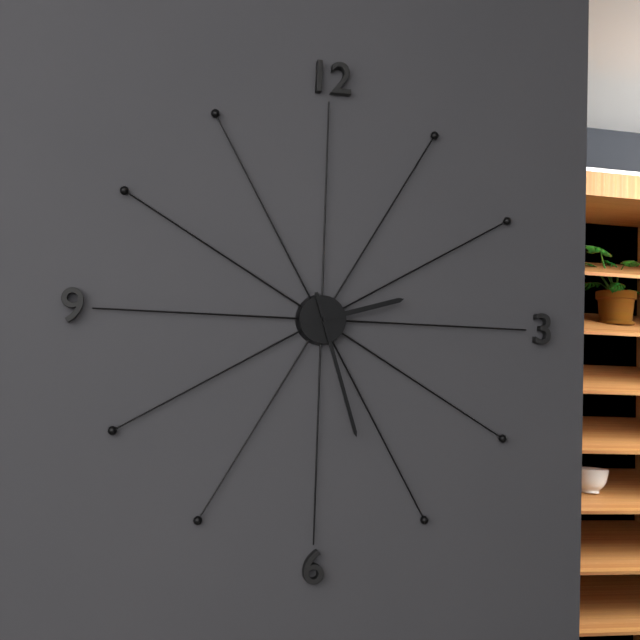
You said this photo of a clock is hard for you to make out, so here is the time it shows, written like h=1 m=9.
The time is h=2 m=27
